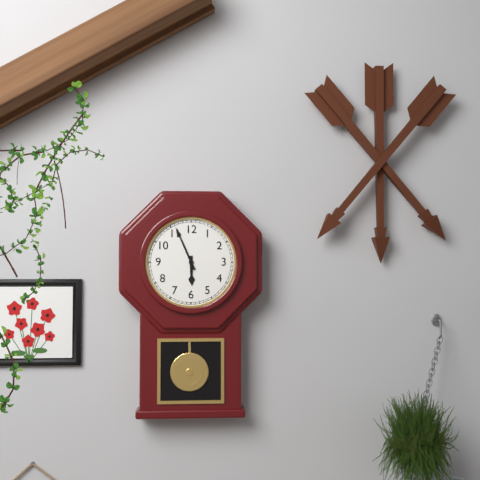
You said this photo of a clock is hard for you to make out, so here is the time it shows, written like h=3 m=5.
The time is h=5 m=56
